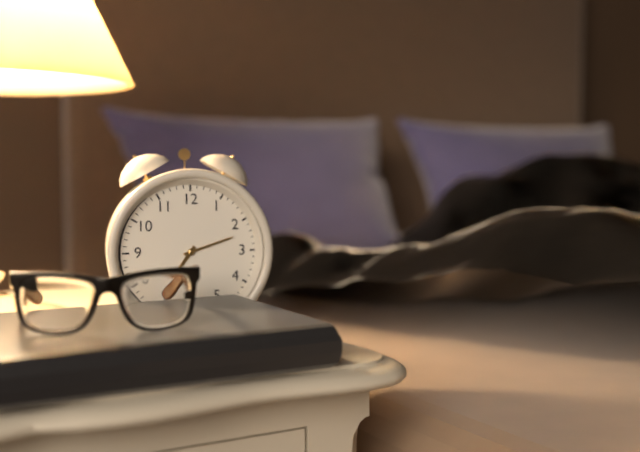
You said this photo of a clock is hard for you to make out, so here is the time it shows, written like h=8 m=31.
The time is h=7 m=12
